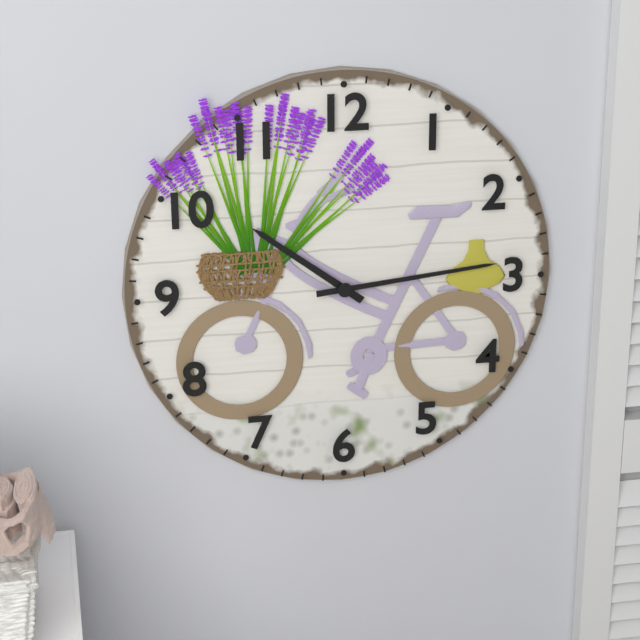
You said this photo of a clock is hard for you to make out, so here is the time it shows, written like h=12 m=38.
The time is h=10 m=14
